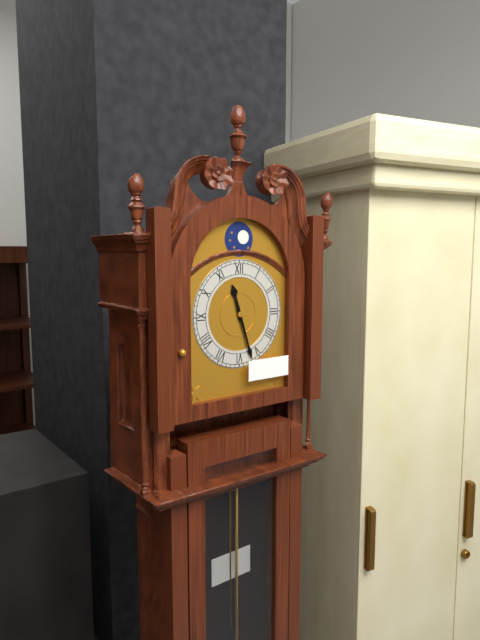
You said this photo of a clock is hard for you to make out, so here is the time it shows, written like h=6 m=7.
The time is h=11 m=27
